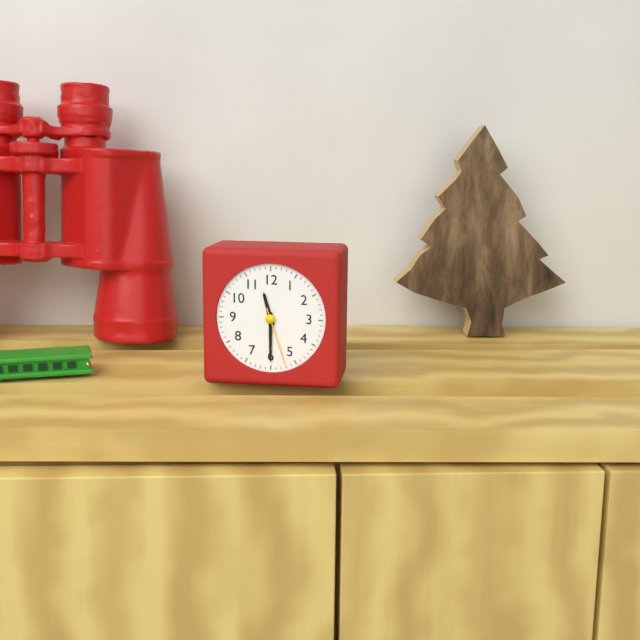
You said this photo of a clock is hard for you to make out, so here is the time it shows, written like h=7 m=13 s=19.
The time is h=11 m=30 s=27
